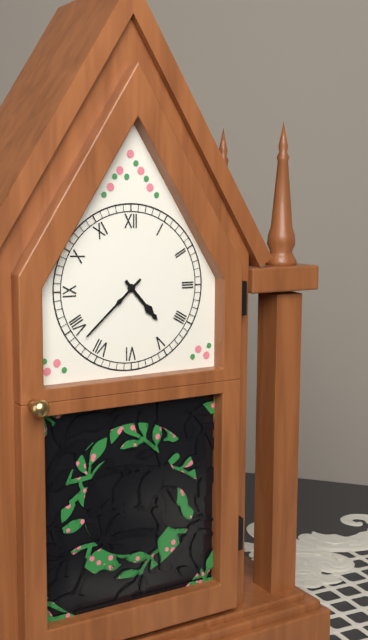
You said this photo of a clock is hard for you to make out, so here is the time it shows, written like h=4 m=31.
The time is h=4 m=38
